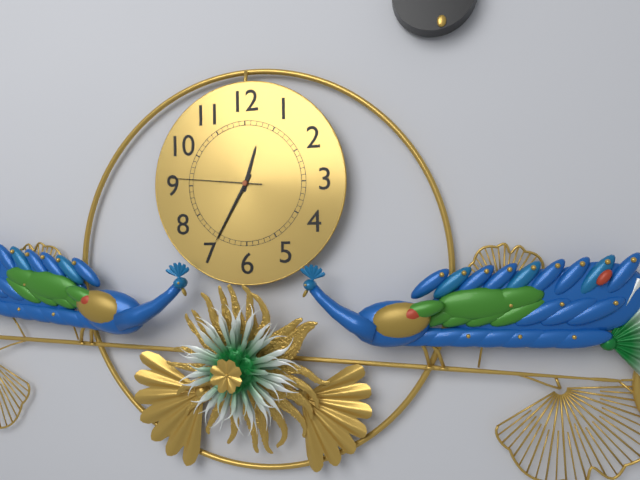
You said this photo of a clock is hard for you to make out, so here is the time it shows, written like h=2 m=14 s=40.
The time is h=12 m=35 s=46
